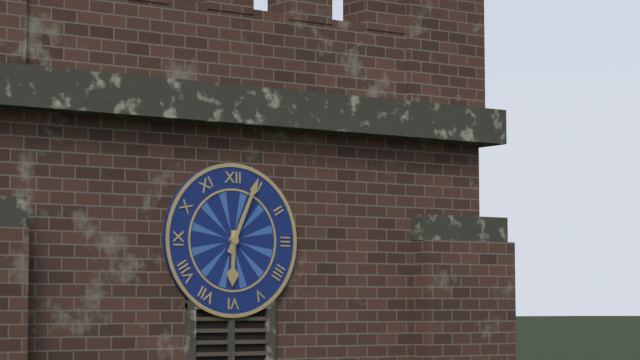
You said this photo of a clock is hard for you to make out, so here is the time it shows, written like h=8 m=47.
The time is h=6 m=4
